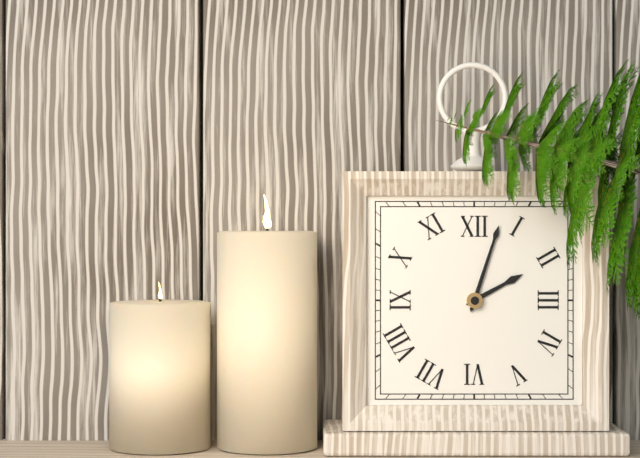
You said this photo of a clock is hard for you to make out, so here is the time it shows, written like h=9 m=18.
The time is h=2 m=3
